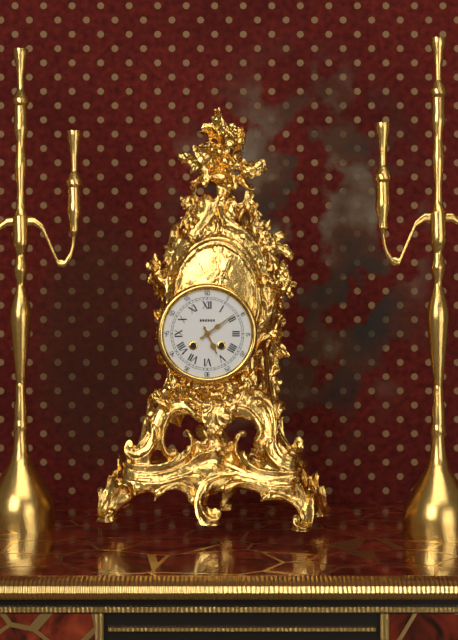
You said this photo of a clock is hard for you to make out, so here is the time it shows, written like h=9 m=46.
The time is h=5 m=9
